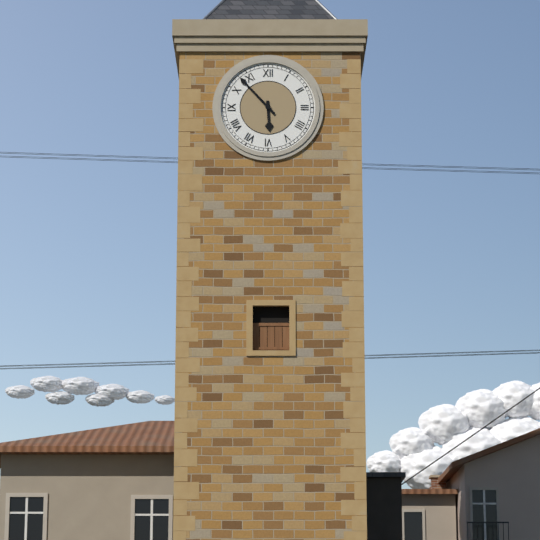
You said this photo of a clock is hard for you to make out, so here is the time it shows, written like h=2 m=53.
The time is h=5 m=53
